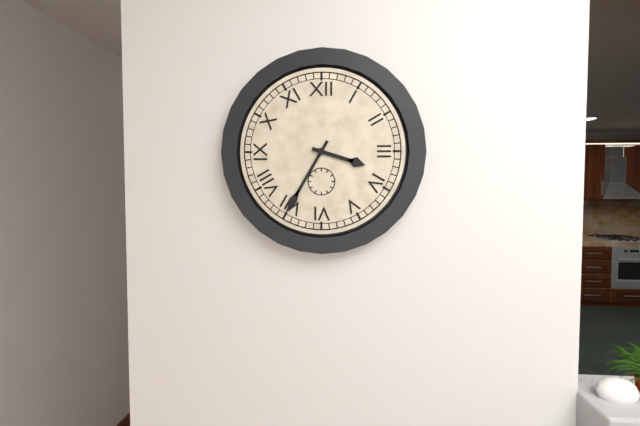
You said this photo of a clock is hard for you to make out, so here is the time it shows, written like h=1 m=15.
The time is h=3 m=35
